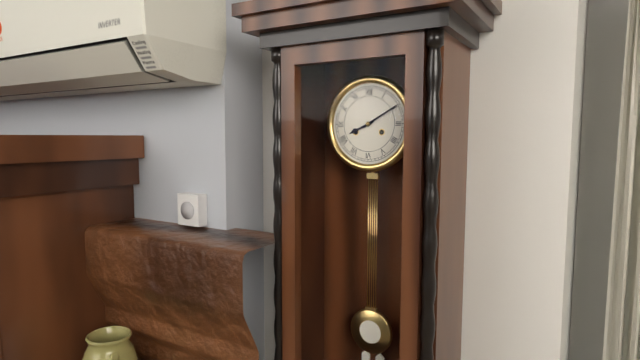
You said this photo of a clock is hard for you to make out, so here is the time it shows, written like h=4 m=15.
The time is h=8 m=10
